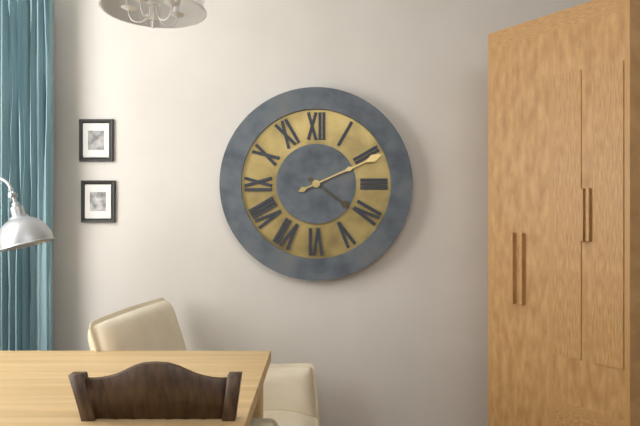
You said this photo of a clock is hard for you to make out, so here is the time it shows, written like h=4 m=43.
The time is h=4 m=11
